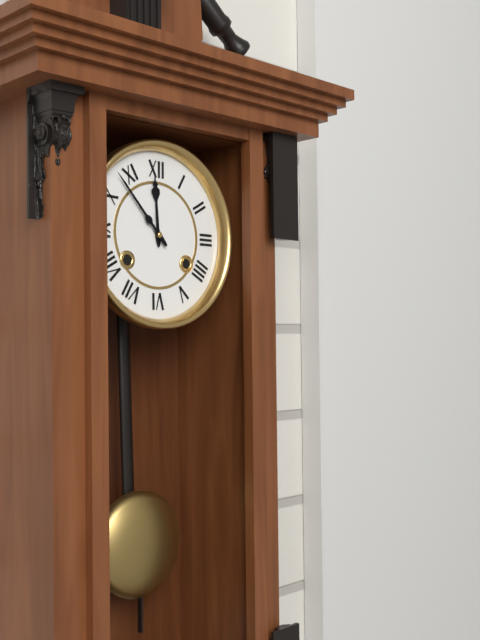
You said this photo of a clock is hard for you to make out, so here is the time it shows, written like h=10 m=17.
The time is h=11 m=53
